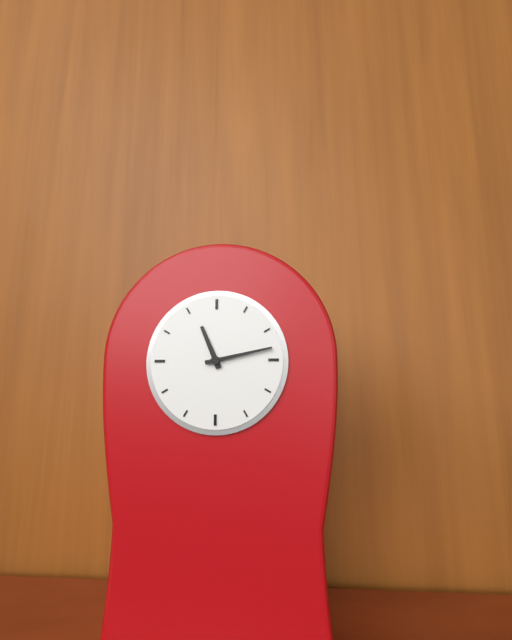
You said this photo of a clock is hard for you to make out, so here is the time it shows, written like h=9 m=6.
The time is h=11 m=13
